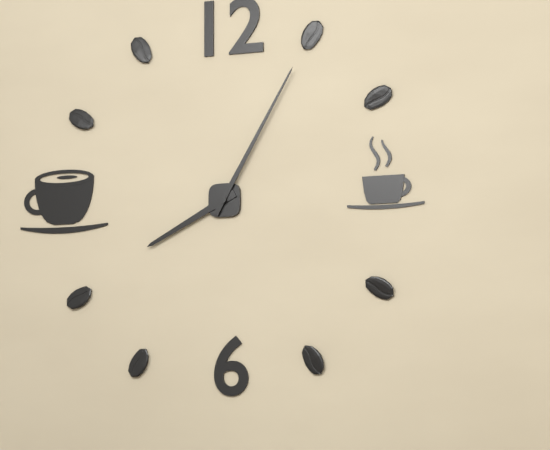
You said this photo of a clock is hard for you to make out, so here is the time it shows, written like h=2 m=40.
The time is h=8 m=5
